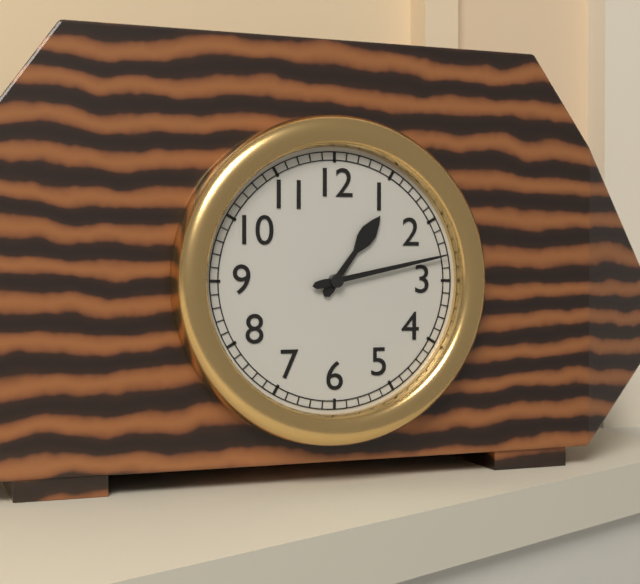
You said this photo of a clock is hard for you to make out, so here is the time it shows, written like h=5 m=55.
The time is h=1 m=13
